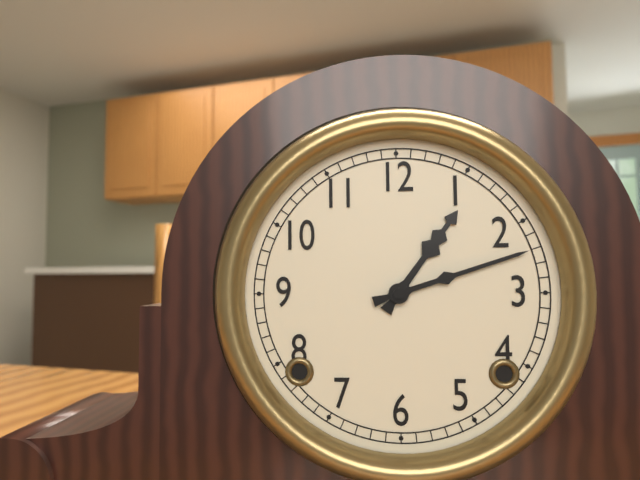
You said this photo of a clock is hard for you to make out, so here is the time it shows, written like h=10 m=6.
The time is h=1 m=12
